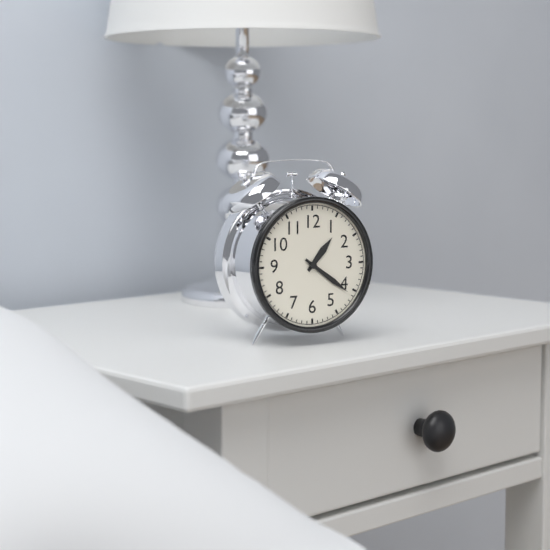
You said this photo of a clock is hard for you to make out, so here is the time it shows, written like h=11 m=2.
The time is h=1 m=21
